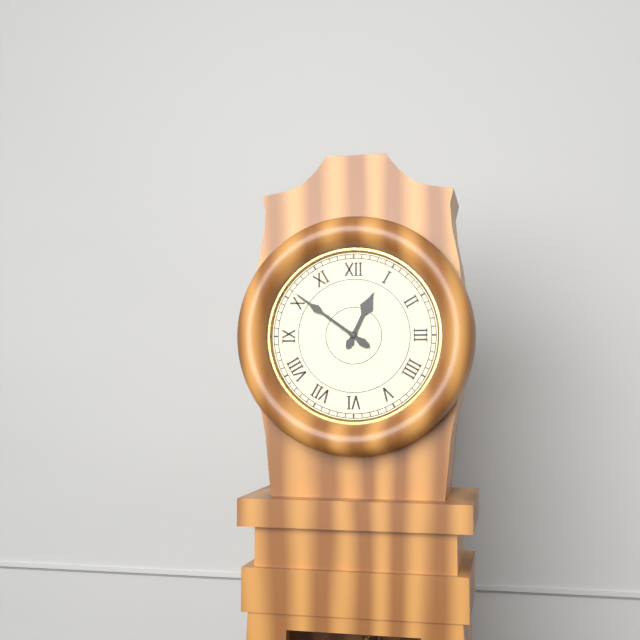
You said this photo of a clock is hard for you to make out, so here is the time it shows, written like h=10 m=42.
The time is h=12 m=51
